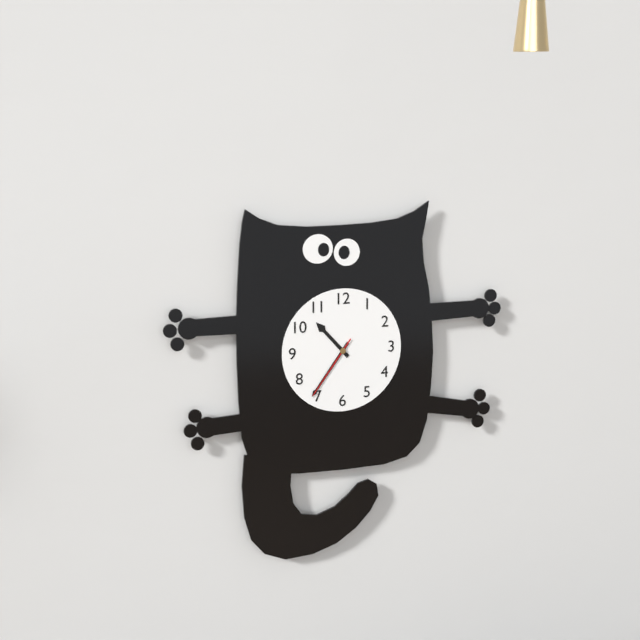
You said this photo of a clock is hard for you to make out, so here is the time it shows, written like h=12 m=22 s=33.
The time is h=10 m=36 s=36
